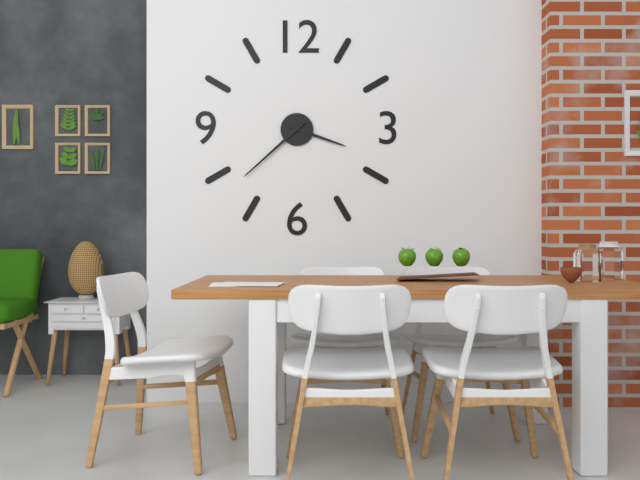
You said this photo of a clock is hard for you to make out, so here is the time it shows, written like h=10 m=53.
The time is h=3 m=38
